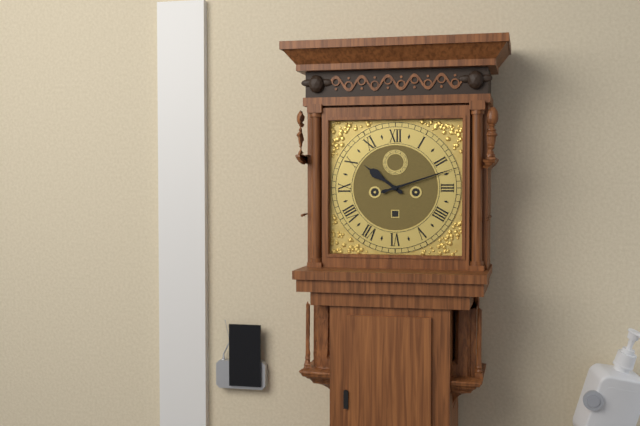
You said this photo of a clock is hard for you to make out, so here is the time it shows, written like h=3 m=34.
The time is h=10 m=12
